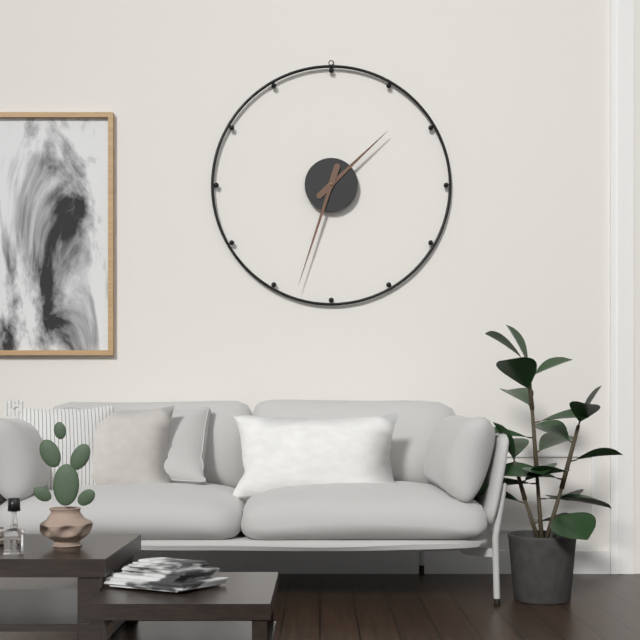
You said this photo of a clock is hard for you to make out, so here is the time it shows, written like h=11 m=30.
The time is h=1 m=33
